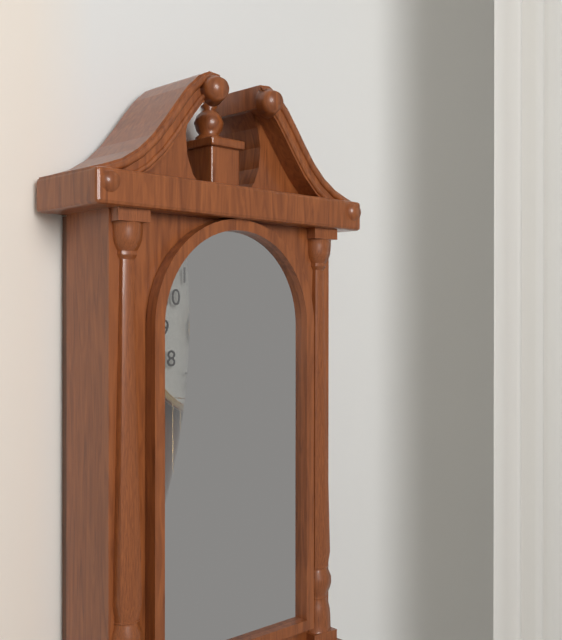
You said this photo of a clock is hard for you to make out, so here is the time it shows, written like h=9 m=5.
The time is h=4 m=16
